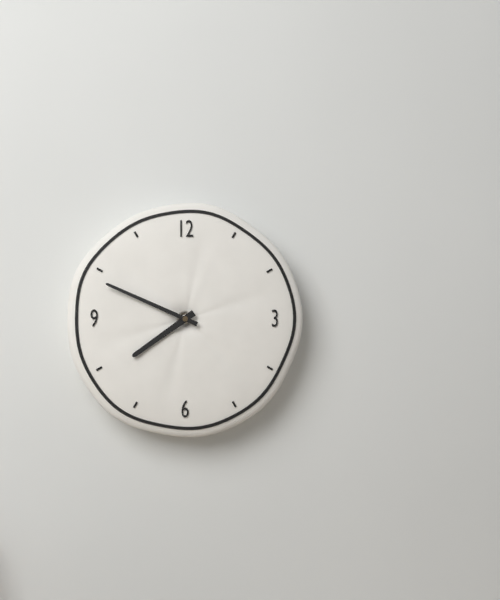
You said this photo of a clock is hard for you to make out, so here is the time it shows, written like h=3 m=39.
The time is h=7 m=49
